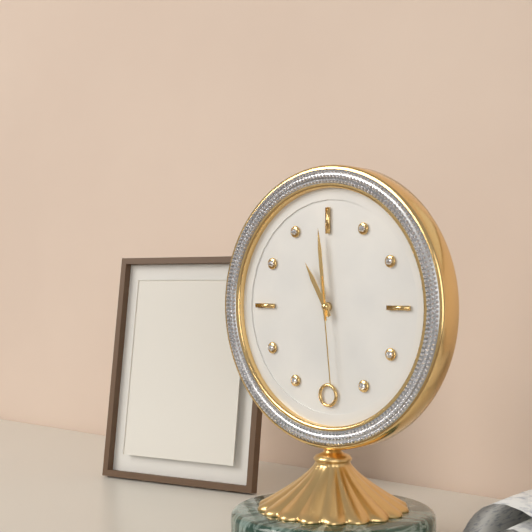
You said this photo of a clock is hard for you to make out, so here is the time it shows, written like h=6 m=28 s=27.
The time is h=10 m=59 s=29
